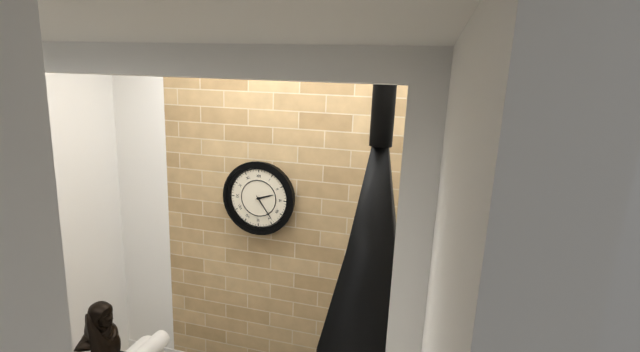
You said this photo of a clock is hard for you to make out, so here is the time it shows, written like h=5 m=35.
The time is h=2 m=24
